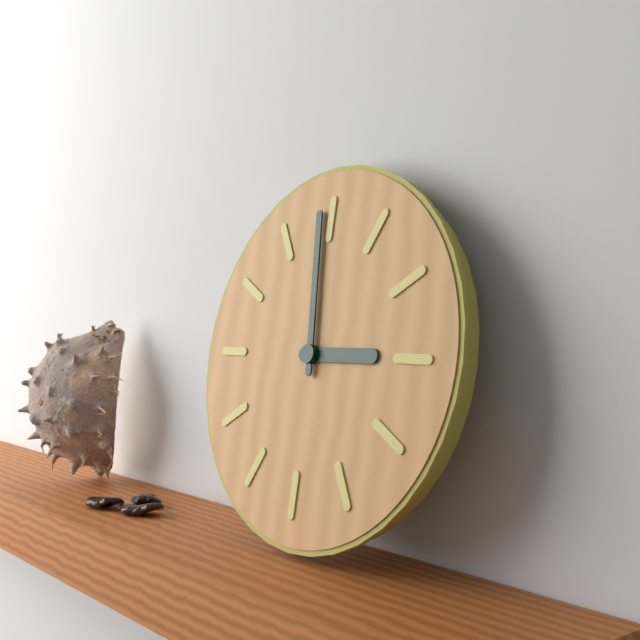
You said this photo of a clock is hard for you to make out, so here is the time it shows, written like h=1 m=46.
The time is h=2 m=59
